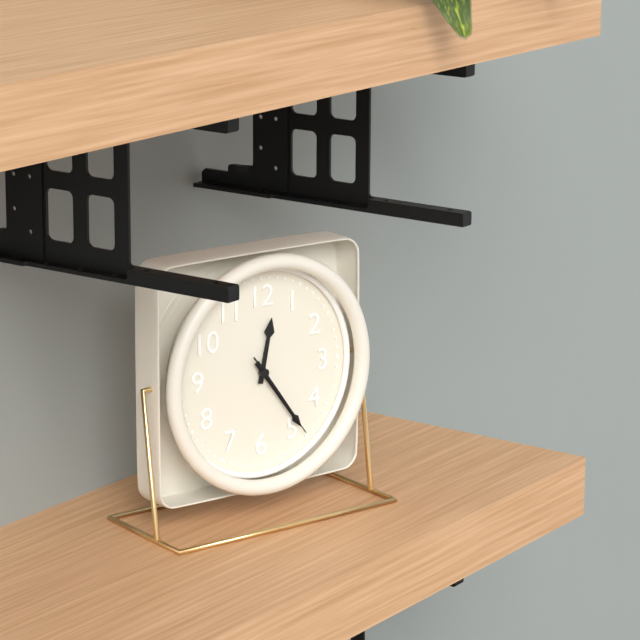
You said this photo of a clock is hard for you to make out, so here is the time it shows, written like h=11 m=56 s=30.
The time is h=12 m=24 s=24
